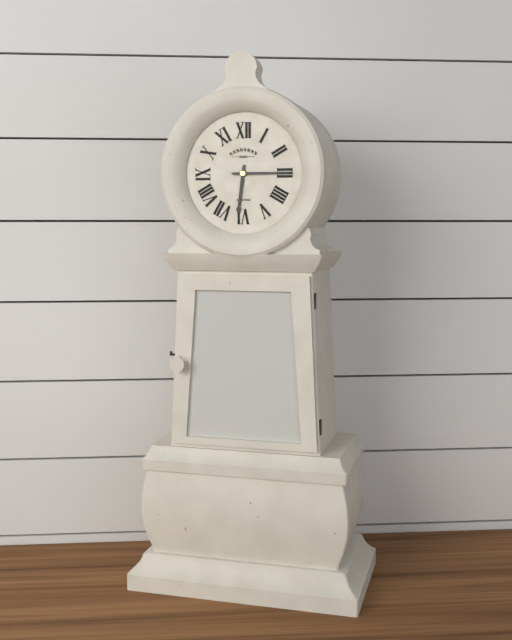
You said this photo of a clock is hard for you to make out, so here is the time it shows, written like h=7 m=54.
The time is h=6 m=15
